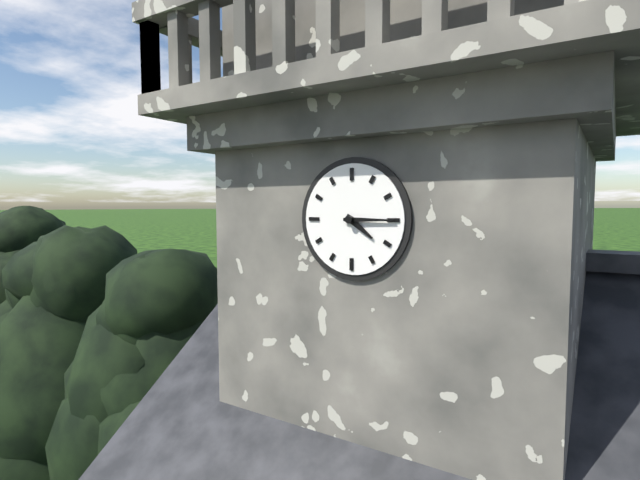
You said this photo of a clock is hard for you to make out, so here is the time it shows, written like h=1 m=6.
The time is h=4 m=15
